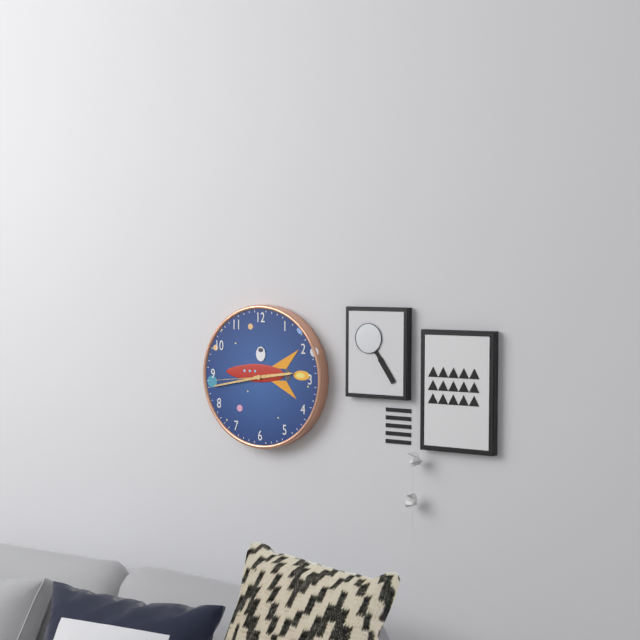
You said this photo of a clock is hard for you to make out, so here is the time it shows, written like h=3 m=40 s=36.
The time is h=2 m=43 s=44
